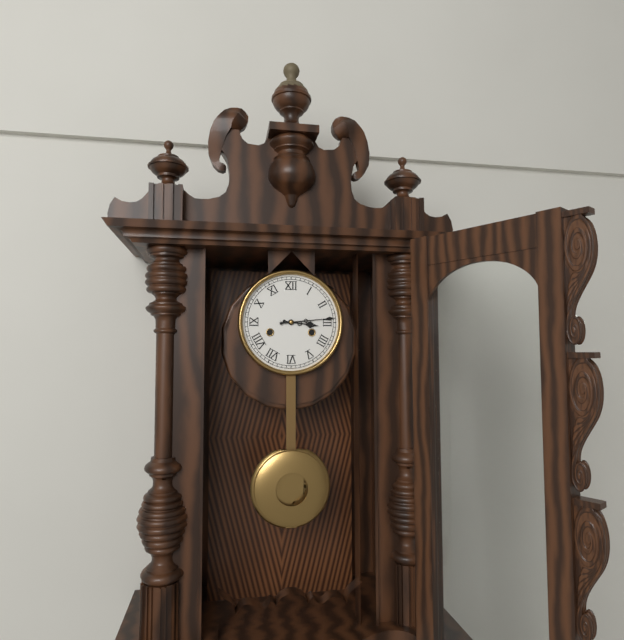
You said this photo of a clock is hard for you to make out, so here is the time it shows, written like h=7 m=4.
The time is h=3 m=14
